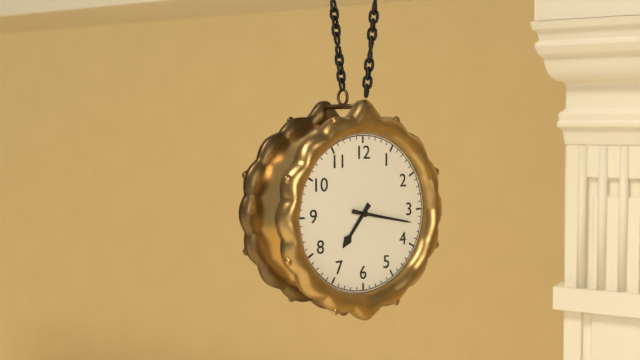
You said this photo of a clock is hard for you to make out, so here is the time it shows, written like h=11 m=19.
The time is h=7 m=17
